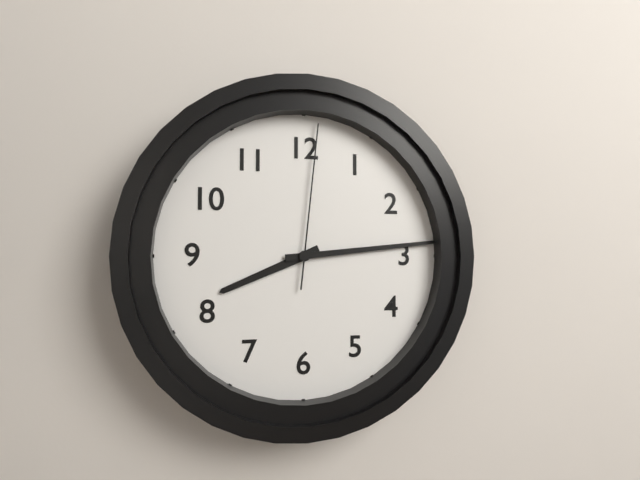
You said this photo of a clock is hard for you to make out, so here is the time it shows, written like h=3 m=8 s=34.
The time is h=8 m=14 s=1
